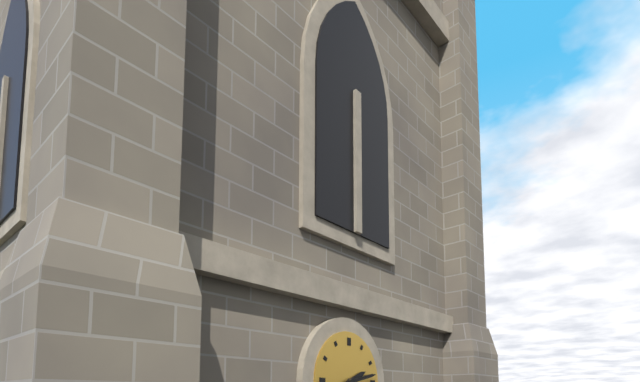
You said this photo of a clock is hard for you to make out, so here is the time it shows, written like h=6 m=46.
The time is h=2 m=13
